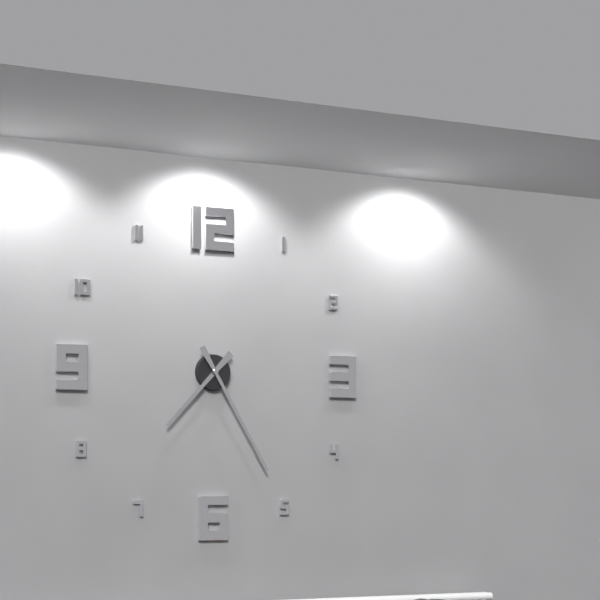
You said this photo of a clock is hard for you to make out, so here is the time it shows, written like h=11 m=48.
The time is h=7 m=25
